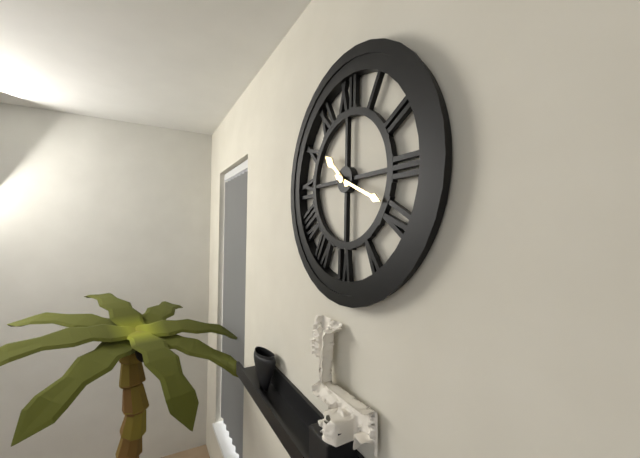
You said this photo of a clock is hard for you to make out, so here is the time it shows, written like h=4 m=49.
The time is h=10 m=19
